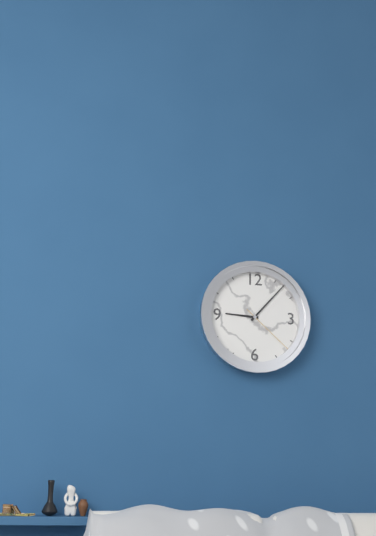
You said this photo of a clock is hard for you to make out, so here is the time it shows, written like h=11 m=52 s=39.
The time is h=9 m=7 s=22
